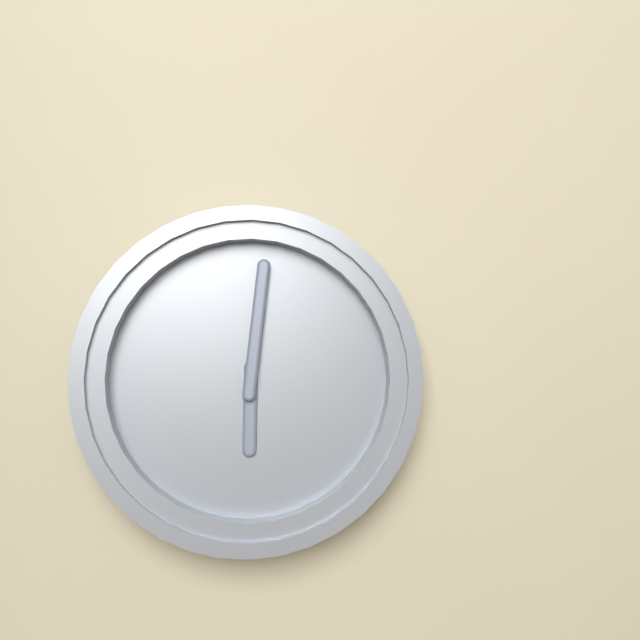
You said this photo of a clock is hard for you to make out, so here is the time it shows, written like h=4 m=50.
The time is h=6 m=1
